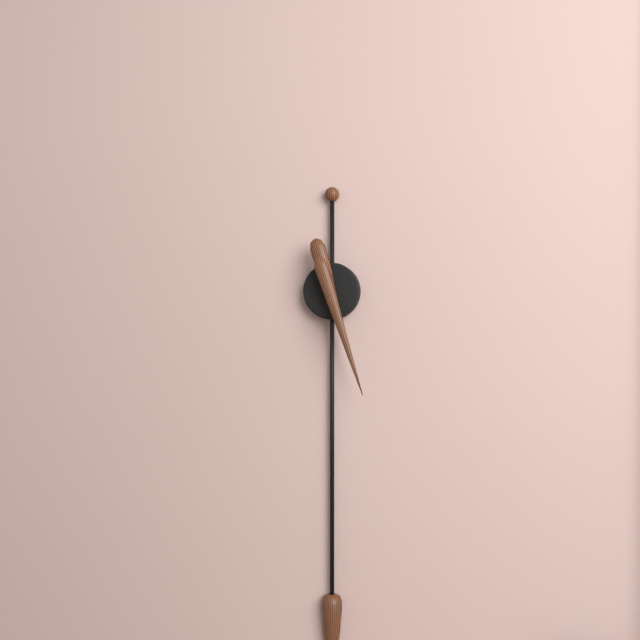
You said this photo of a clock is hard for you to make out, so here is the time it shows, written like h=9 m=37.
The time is h=5 m=27
